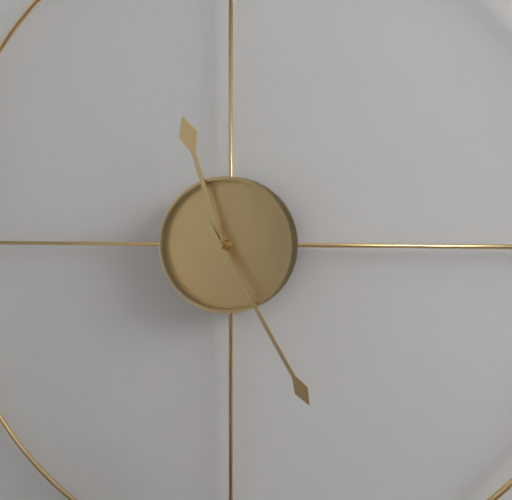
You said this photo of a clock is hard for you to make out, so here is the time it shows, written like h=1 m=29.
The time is h=11 m=25
